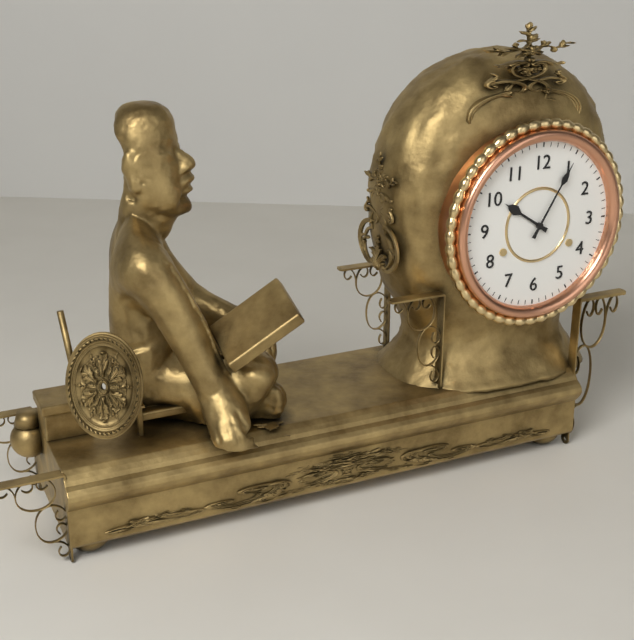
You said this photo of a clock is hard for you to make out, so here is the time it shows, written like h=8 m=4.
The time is h=10 m=5
